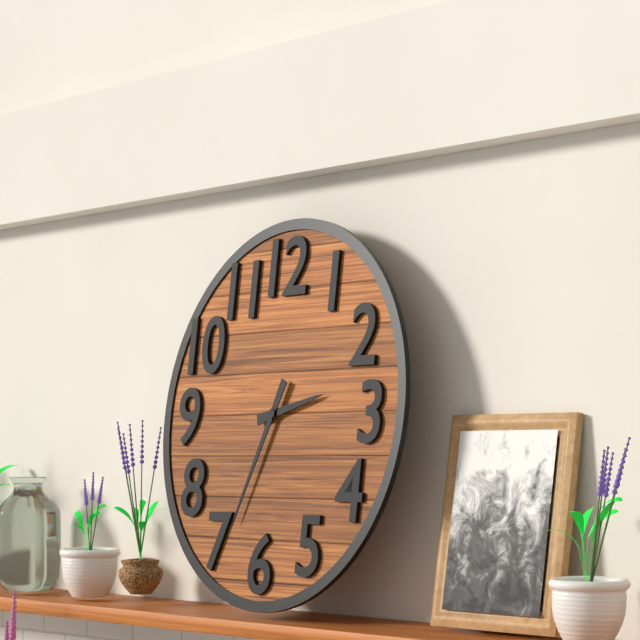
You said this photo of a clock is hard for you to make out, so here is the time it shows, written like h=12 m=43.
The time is h=2 m=34
